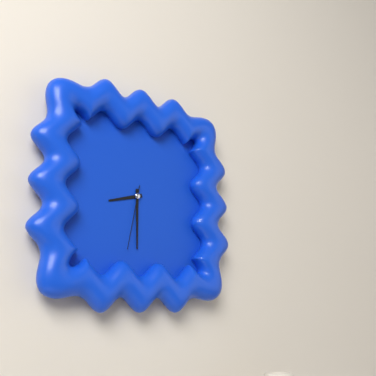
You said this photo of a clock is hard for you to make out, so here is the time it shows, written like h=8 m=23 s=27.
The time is h=8 m=30 s=32
